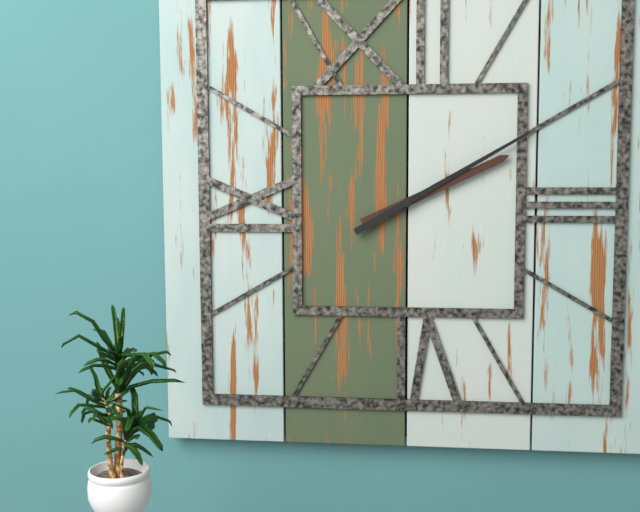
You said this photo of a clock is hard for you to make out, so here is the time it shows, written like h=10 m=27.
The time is h=2 m=10
